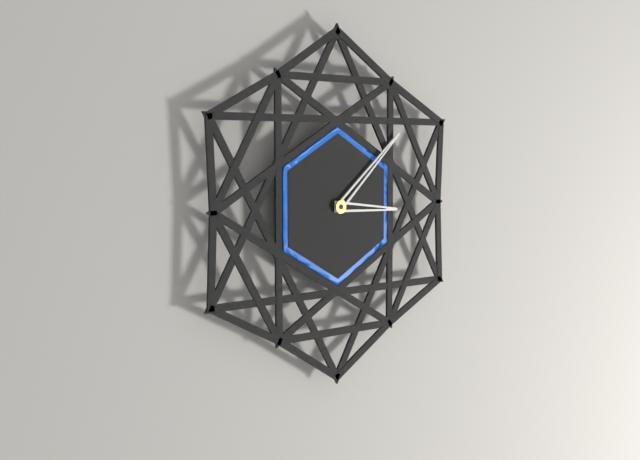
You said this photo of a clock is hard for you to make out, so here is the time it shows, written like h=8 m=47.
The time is h=3 m=8
